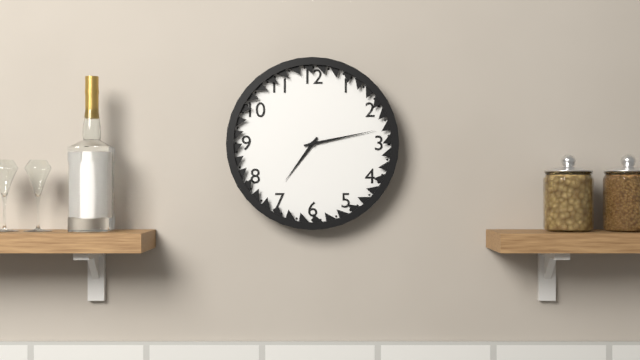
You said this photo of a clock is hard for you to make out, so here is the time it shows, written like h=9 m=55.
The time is h=7 m=13
